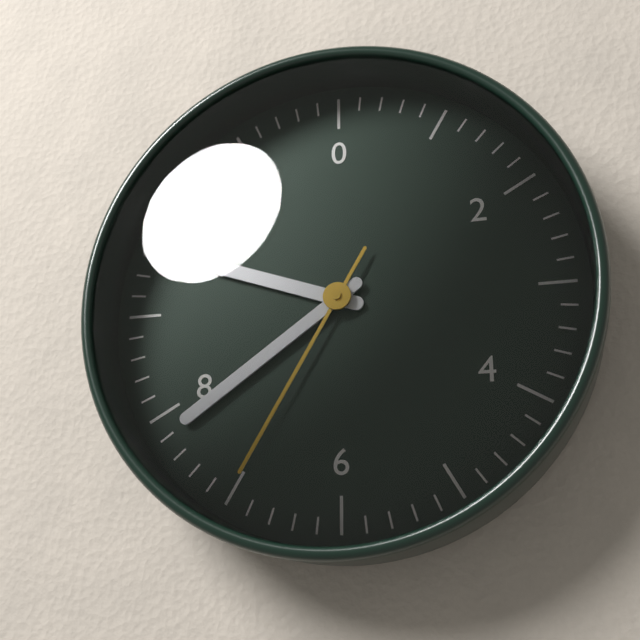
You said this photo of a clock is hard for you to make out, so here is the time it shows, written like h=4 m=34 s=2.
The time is h=9 m=39 s=35
